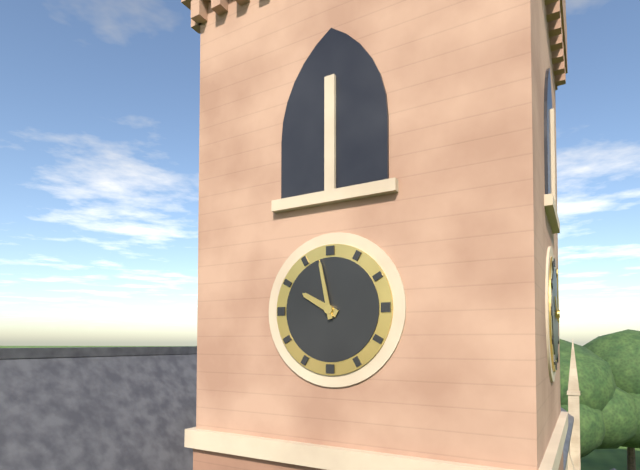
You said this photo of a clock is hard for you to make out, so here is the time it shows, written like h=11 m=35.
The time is h=9 m=58
